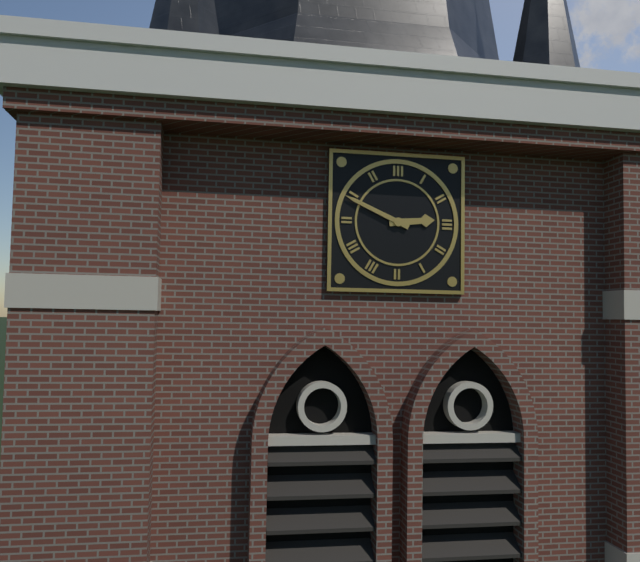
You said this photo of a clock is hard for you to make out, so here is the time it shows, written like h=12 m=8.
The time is h=2 m=49
